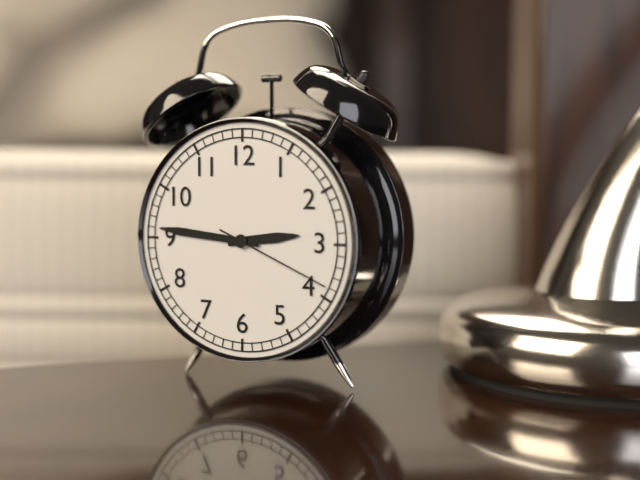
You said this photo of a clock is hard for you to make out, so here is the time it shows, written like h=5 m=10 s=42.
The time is h=2 m=46 s=19
